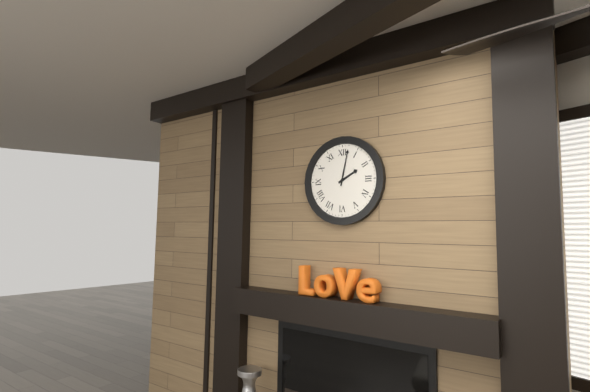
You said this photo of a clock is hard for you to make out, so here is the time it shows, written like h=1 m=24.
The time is h=2 m=2
